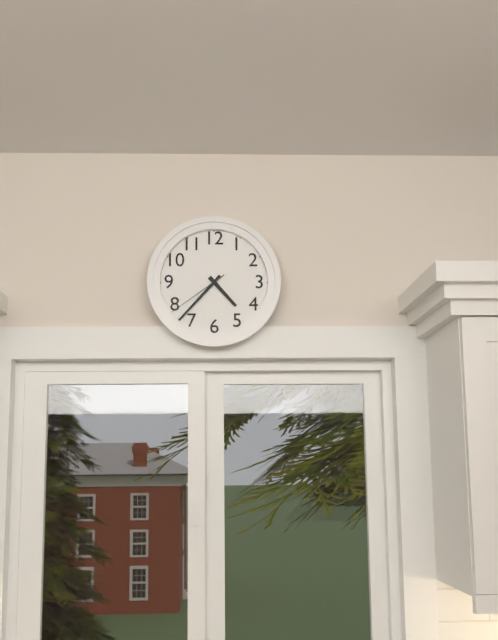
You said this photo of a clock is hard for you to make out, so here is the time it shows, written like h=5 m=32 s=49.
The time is h=4 m=37 s=39
